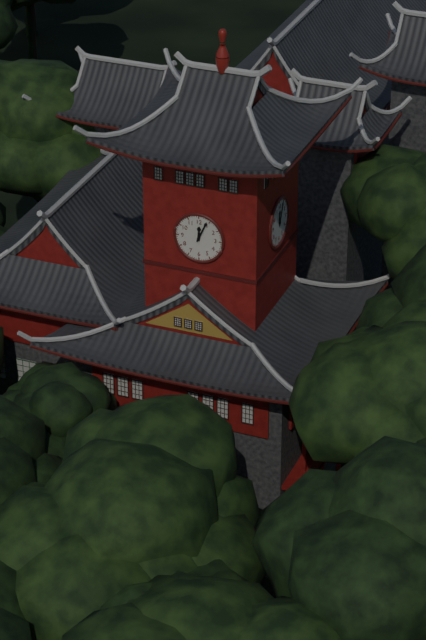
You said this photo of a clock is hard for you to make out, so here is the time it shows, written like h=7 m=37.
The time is h=12 m=4
